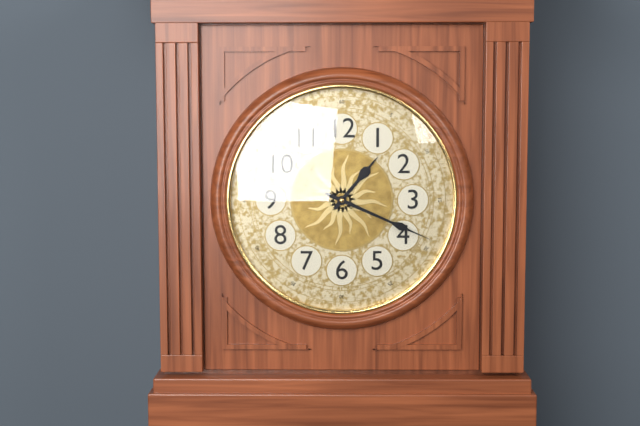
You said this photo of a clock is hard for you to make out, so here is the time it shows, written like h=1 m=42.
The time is h=1 m=19
